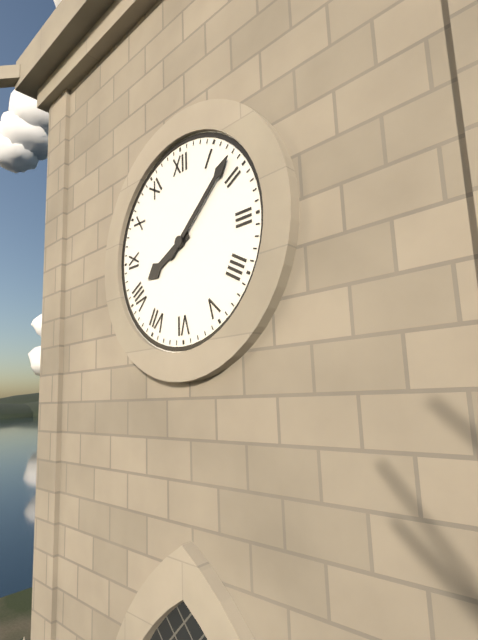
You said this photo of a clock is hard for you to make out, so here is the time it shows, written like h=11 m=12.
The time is h=8 m=8
